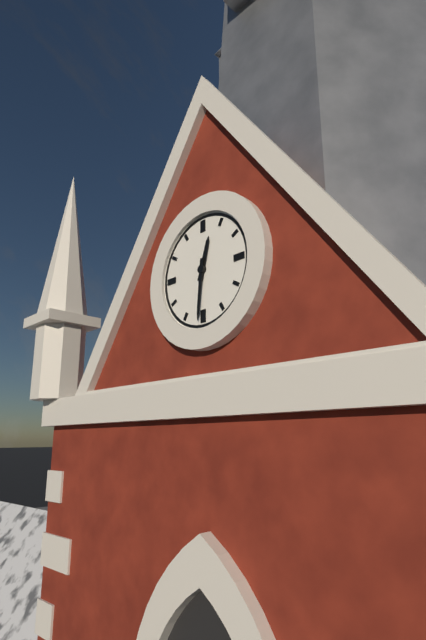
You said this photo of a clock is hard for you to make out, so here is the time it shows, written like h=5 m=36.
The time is h=12 m=31
